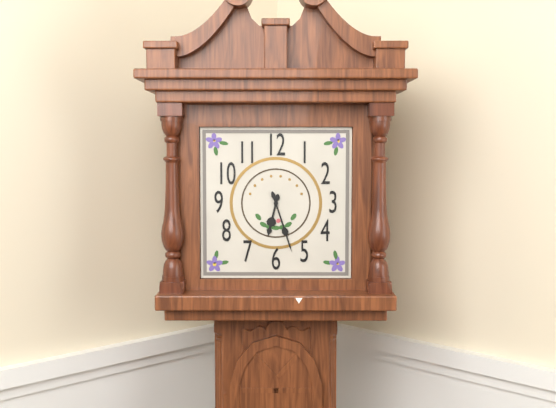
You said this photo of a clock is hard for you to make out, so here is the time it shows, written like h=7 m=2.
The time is h=6 m=27
